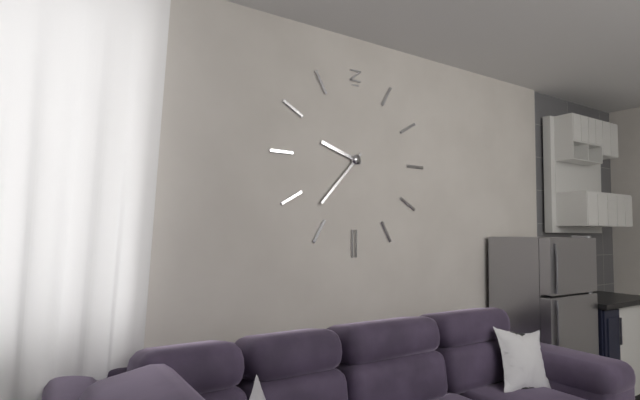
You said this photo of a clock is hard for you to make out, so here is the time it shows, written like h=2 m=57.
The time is h=9 m=37
